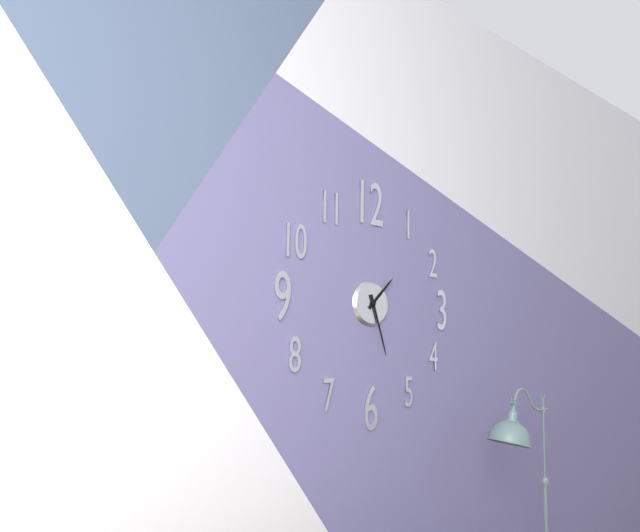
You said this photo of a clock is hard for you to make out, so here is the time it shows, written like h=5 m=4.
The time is h=1 m=27
